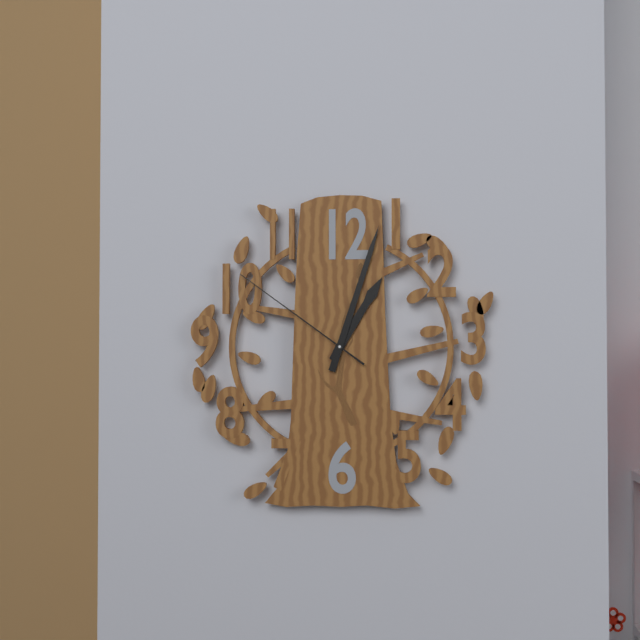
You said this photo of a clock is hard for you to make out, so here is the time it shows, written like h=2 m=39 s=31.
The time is h=1 m=3 s=51
